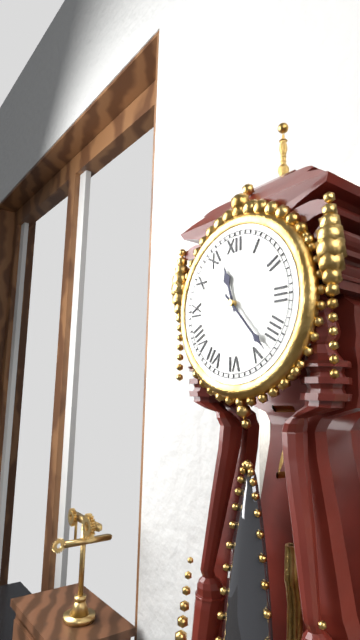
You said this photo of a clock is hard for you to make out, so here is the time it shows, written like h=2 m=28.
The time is h=11 m=23
